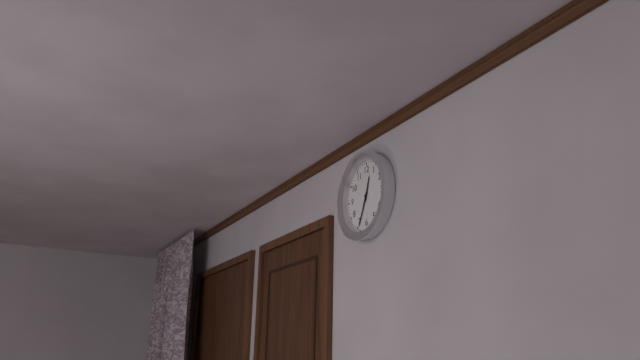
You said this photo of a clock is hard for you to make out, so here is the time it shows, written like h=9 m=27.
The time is h=12 m=34
